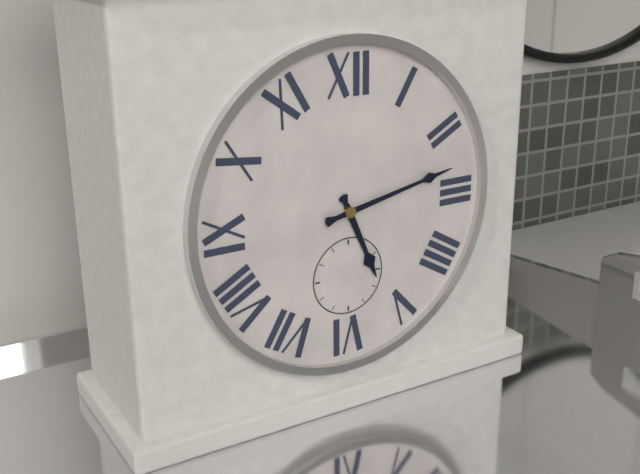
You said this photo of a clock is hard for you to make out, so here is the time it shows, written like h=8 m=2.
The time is h=5 m=13
